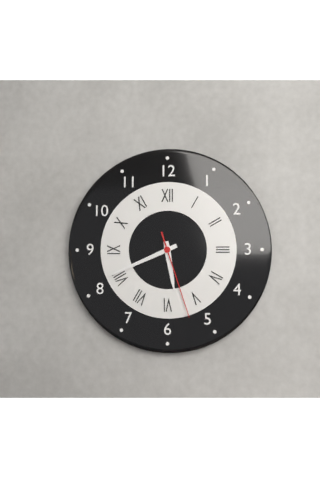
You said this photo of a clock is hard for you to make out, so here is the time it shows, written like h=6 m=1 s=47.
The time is h=5 m=41 s=27
